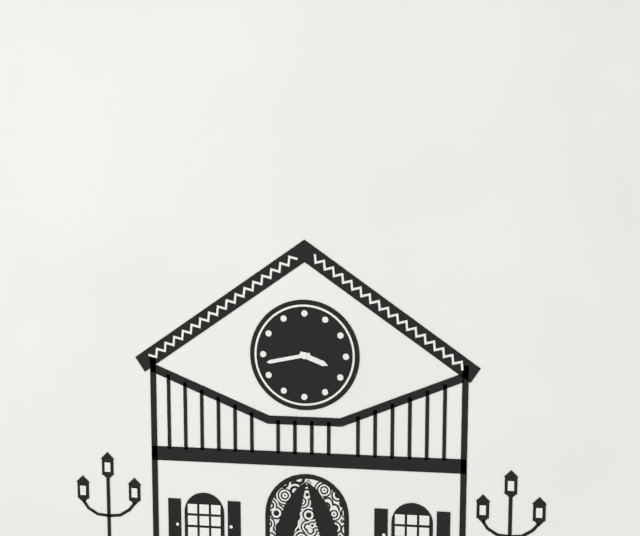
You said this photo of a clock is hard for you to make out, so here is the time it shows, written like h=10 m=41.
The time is h=3 m=43
